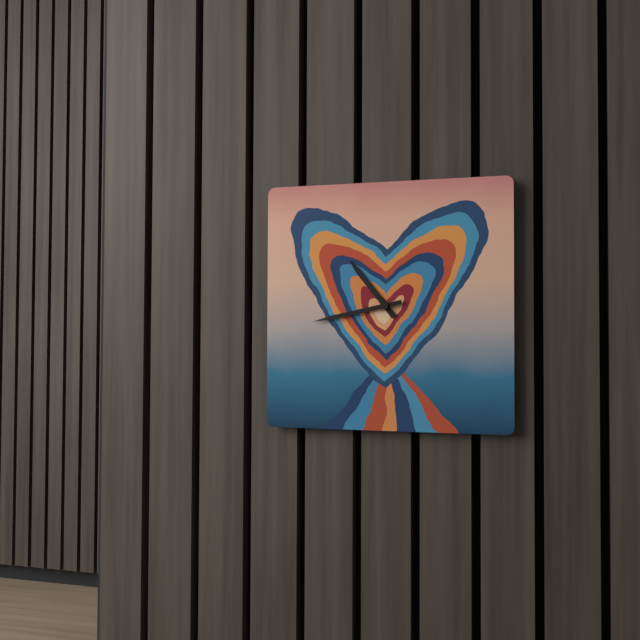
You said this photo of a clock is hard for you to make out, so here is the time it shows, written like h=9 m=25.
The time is h=10 m=43
